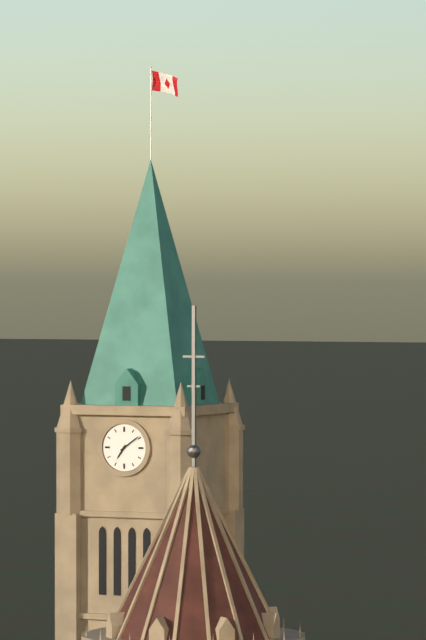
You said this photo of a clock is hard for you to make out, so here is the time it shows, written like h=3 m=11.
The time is h=7 m=9
